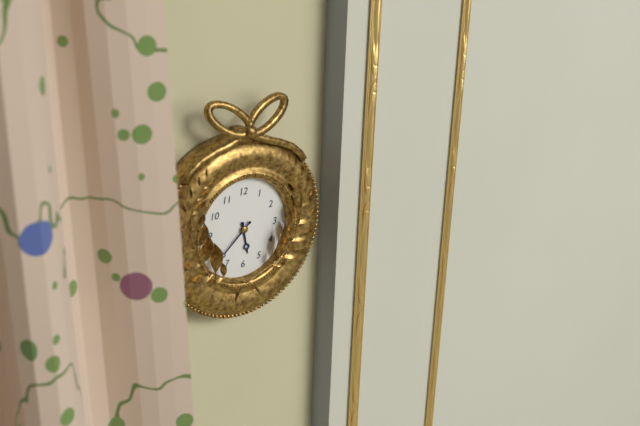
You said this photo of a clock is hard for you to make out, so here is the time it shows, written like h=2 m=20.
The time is h=5 m=38
